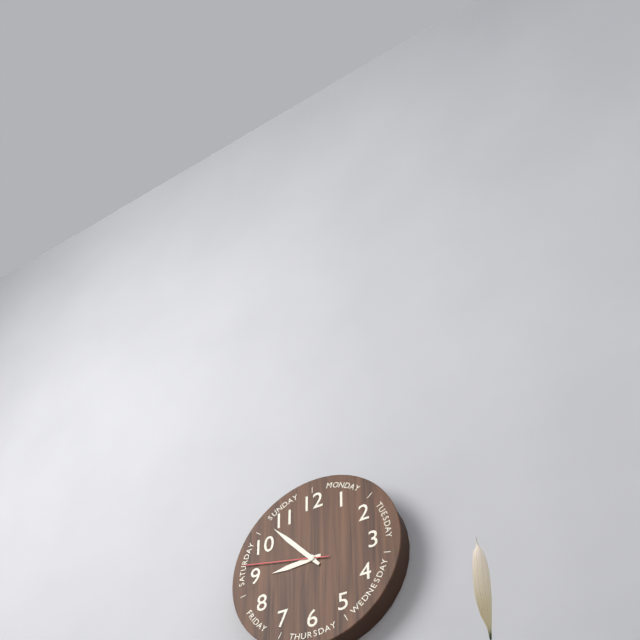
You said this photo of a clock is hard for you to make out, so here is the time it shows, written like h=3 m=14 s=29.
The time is h=8 m=53 s=47
